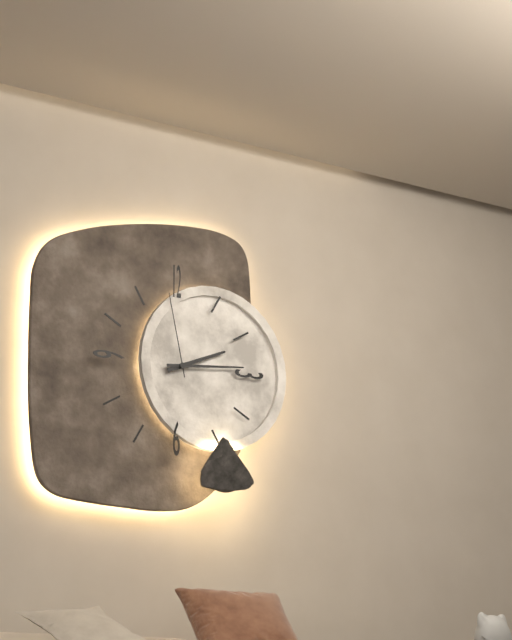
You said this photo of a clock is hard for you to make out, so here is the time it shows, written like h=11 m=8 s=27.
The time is h=2 m=14 s=58
